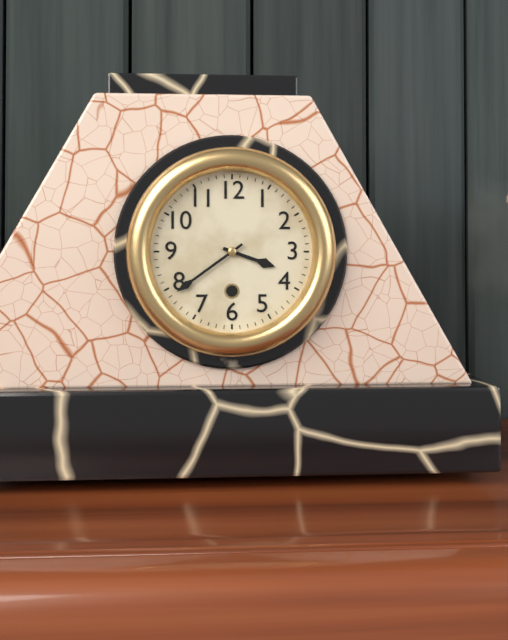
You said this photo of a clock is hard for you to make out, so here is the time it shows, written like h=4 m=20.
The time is h=3 m=39
